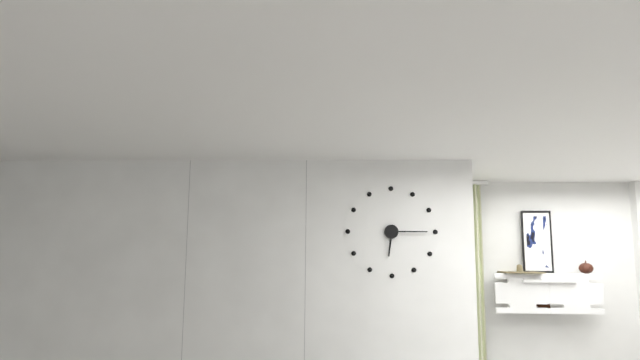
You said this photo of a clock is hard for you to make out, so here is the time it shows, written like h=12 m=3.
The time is h=6 m=15
